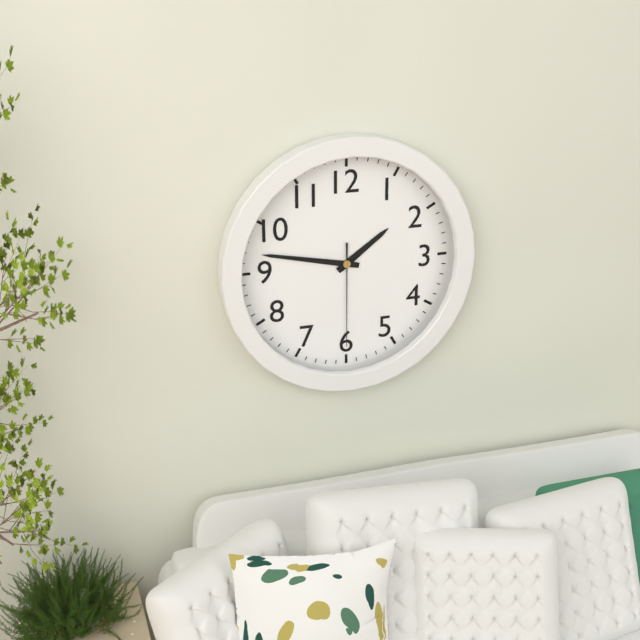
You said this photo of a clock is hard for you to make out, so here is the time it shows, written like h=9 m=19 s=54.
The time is h=1 m=47 s=30
